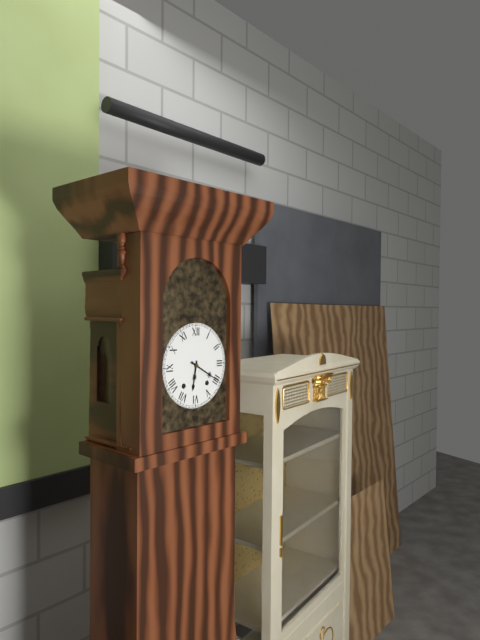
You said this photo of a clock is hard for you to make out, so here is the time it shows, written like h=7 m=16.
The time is h=6 m=20
